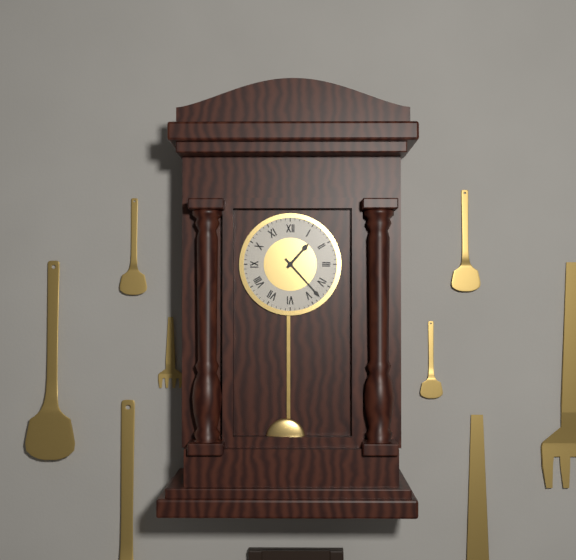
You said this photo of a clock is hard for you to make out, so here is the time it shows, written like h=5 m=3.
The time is h=1 m=23
